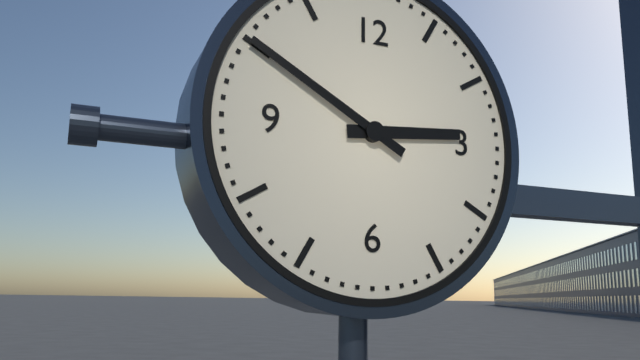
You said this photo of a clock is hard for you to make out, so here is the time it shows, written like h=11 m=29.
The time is h=2 m=50
